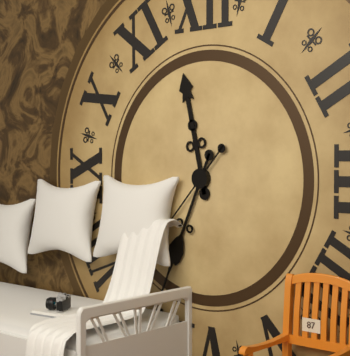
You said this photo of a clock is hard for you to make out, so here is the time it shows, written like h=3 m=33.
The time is h=11 m=34
